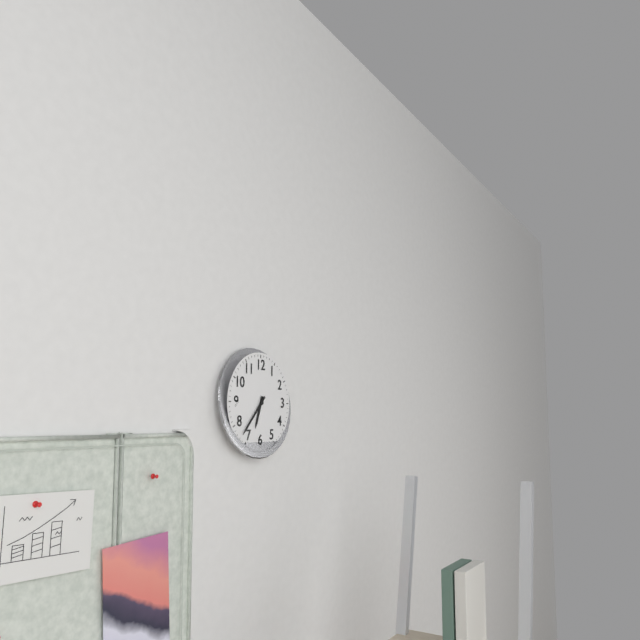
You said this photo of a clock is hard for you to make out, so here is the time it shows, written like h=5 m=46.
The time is h=6 m=37
